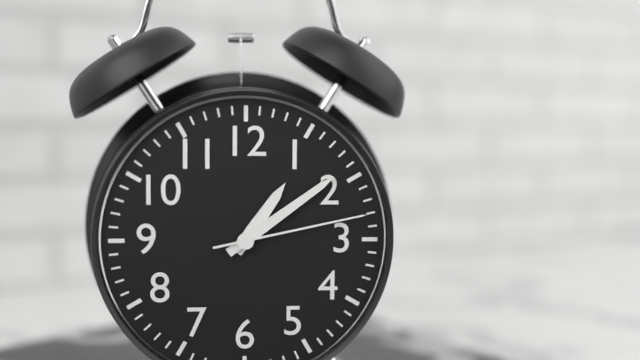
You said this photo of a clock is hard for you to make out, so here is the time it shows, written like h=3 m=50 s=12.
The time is h=1 m=9 s=13
